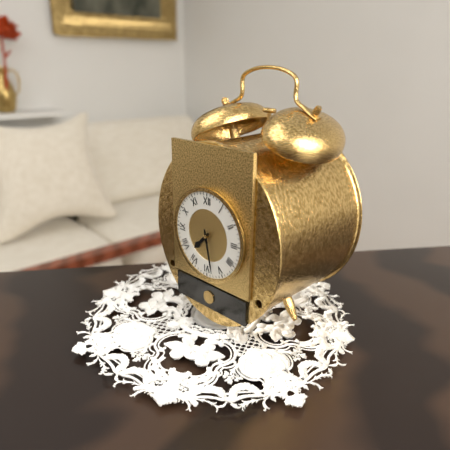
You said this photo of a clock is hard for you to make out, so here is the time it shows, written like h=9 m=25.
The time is h=7 m=28
